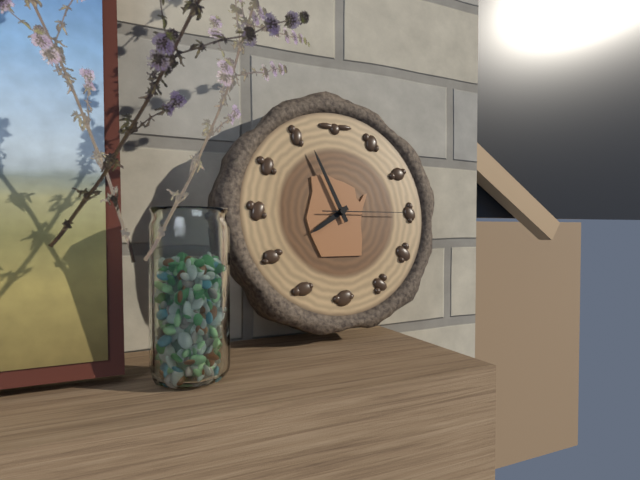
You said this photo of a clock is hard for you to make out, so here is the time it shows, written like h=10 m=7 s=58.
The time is h=7 m=56 s=15
